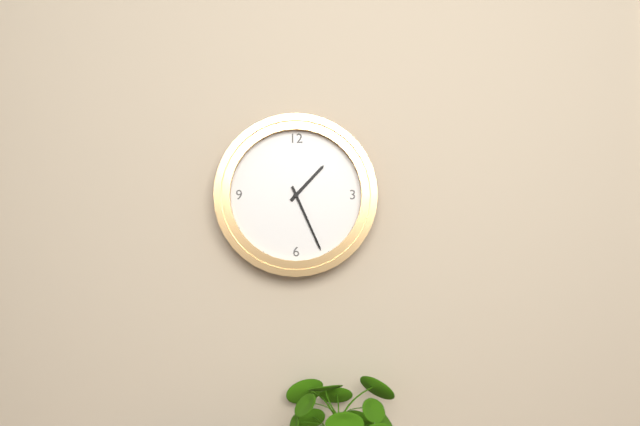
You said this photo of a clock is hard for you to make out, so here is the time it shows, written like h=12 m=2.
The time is h=1 m=26
